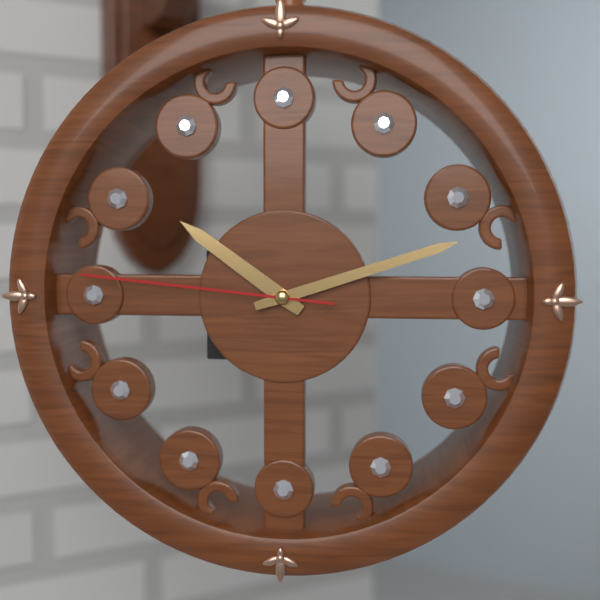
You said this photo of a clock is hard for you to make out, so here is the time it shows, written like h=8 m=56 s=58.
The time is h=10 m=12 s=46
